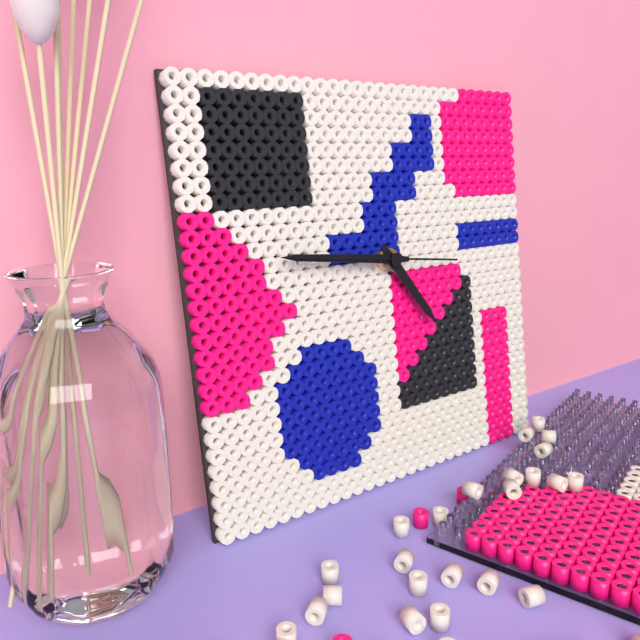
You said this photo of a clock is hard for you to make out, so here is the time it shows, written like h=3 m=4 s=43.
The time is h=4 m=46 s=46
